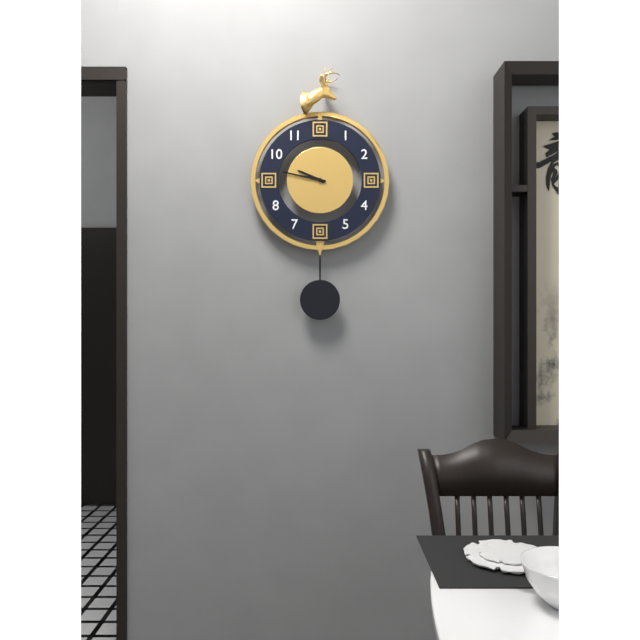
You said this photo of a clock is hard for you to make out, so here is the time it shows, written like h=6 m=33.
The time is h=9 m=47
